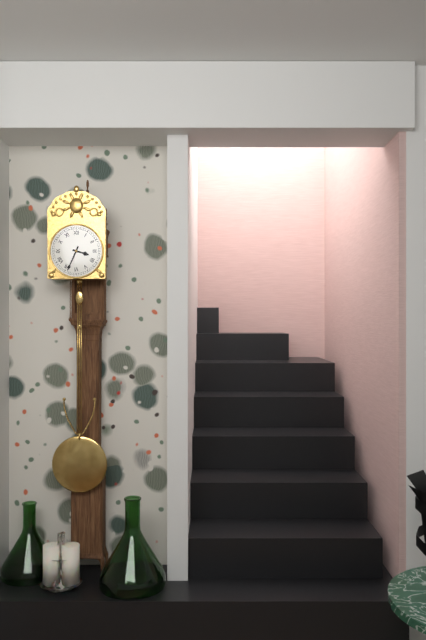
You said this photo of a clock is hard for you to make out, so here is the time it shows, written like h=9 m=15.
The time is h=3 m=34
